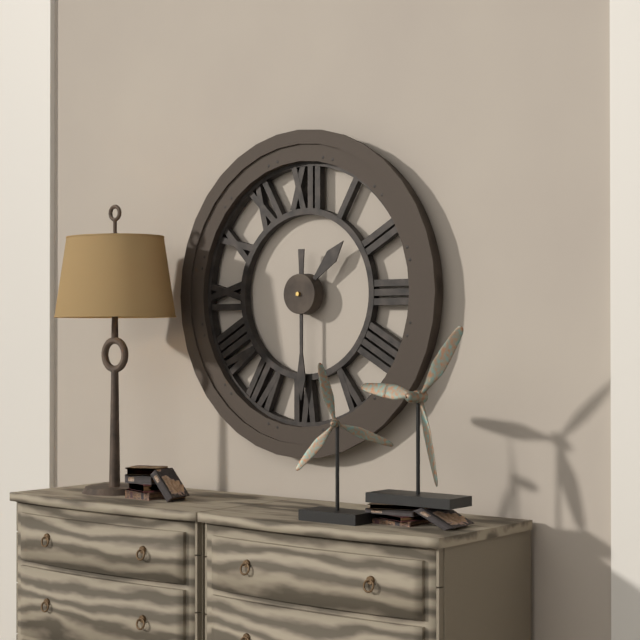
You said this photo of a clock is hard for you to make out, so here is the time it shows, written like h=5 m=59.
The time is h=1 m=30
